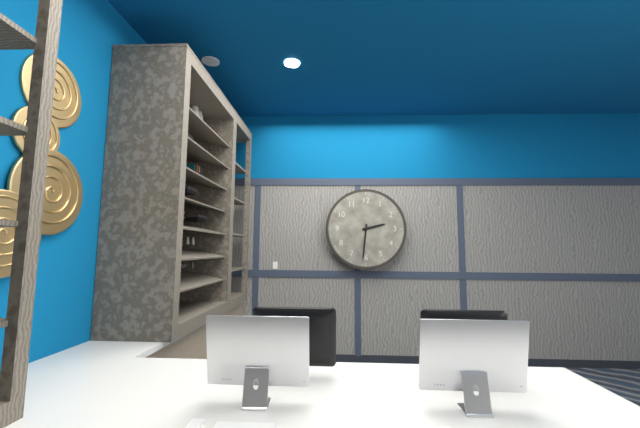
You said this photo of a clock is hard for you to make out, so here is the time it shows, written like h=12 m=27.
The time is h=2 m=31
